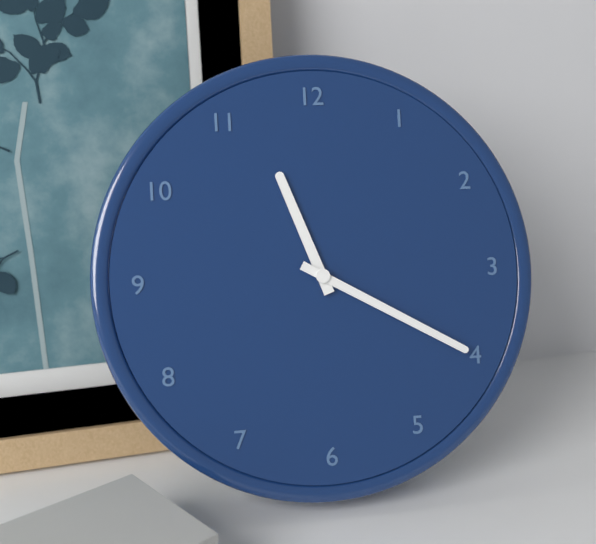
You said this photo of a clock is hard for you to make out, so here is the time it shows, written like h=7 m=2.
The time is h=11 m=20
